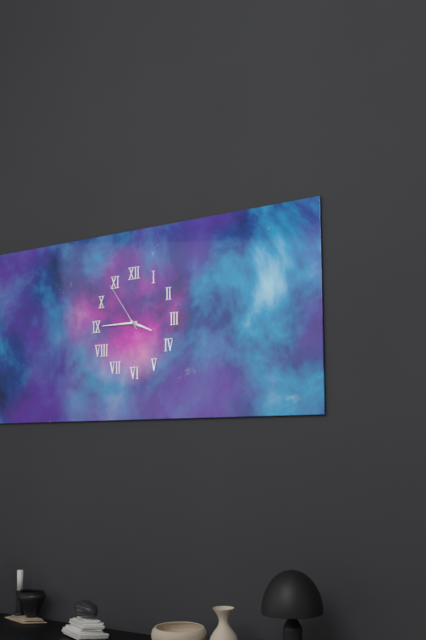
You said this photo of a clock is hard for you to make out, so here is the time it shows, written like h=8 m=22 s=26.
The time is h=3 m=45 s=54
